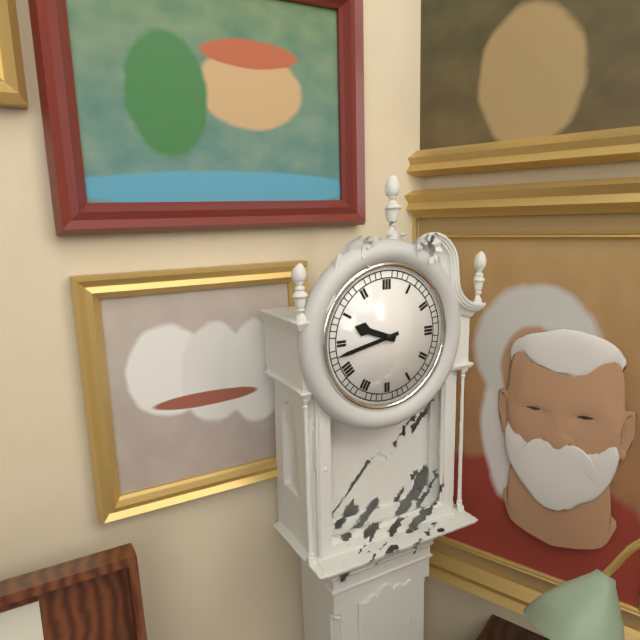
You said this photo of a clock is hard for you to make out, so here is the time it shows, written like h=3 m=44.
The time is h=9 m=43
